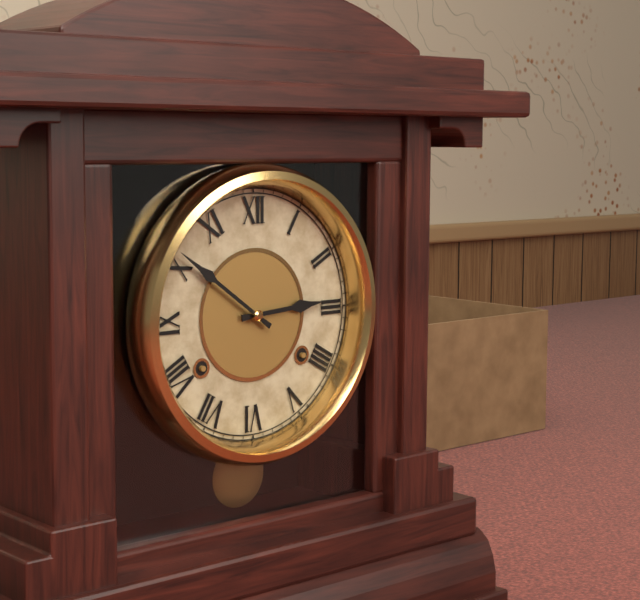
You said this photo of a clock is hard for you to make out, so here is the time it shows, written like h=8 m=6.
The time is h=2 m=51
